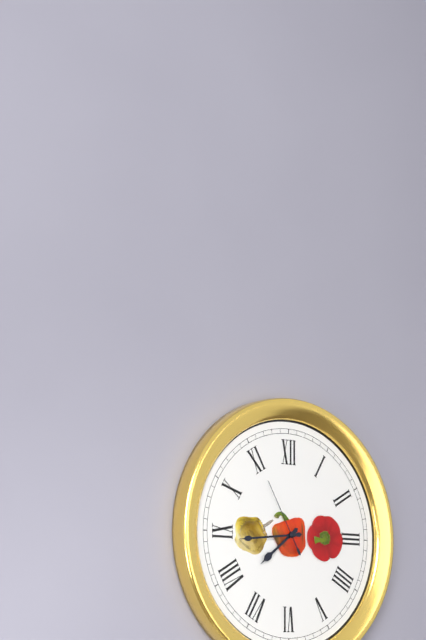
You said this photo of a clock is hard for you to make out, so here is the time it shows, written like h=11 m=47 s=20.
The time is h=7 m=44 s=55
